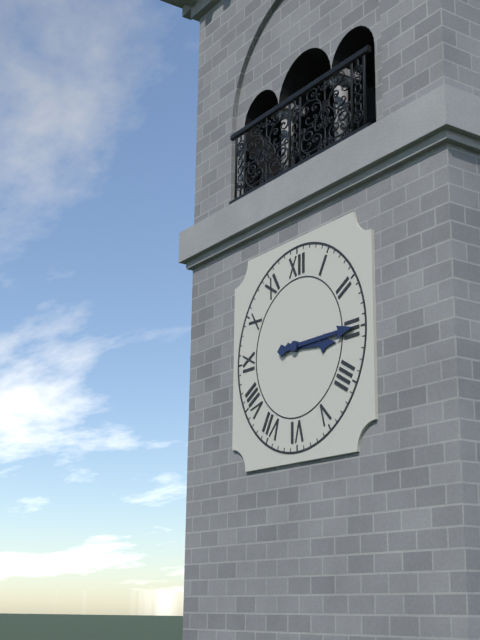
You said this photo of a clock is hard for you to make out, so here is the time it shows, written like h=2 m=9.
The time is h=3 m=15
